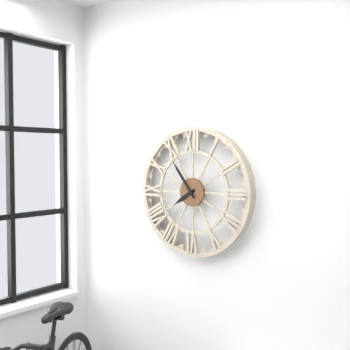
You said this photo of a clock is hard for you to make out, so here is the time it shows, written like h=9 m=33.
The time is h=7 m=54
